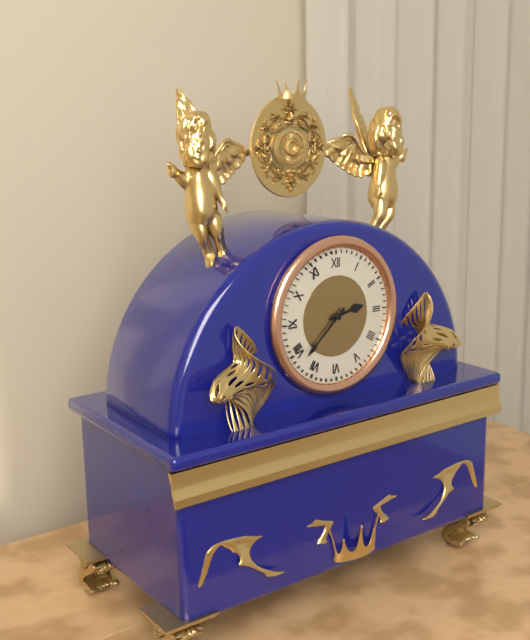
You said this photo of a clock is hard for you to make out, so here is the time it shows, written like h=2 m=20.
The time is h=2 m=38
